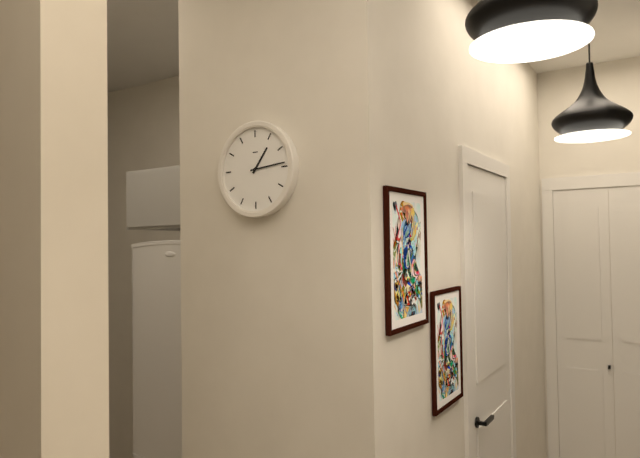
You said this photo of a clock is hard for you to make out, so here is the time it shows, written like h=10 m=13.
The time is h=1 m=14
